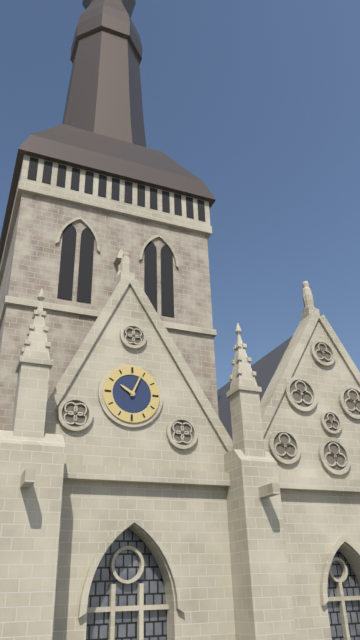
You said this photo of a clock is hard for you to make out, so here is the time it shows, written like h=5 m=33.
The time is h=10 m=4
